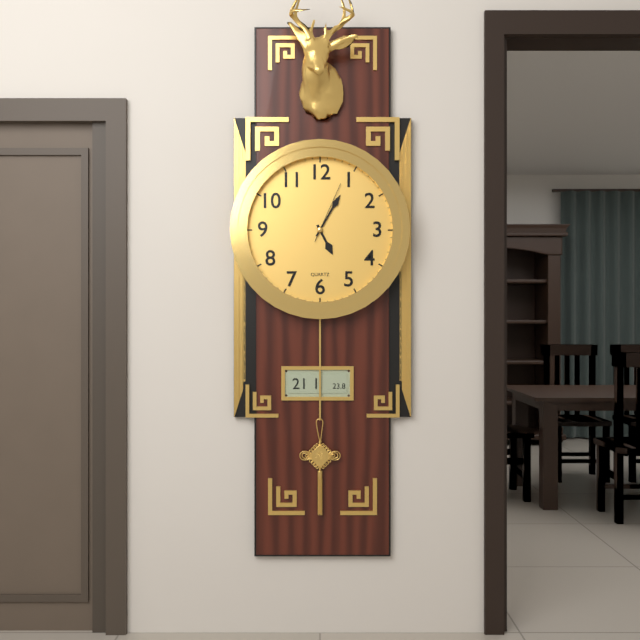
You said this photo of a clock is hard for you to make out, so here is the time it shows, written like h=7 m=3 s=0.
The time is h=5 m=5 s=4
